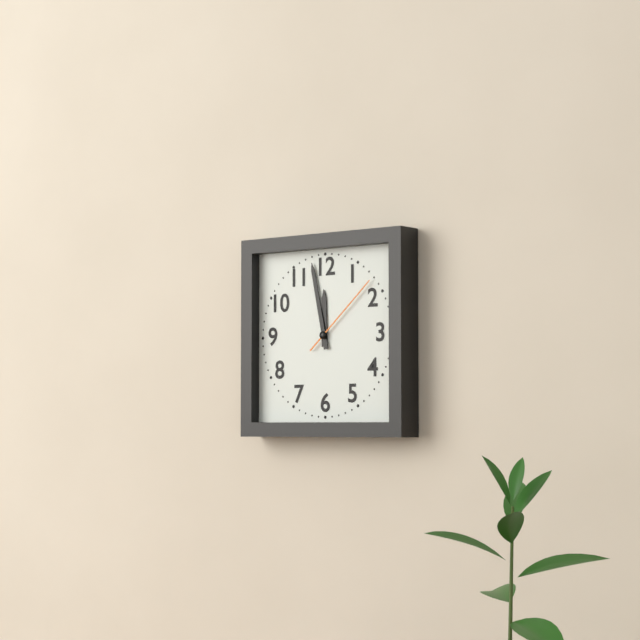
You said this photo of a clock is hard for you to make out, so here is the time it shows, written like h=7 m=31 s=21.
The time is h=11 m=58 s=8
